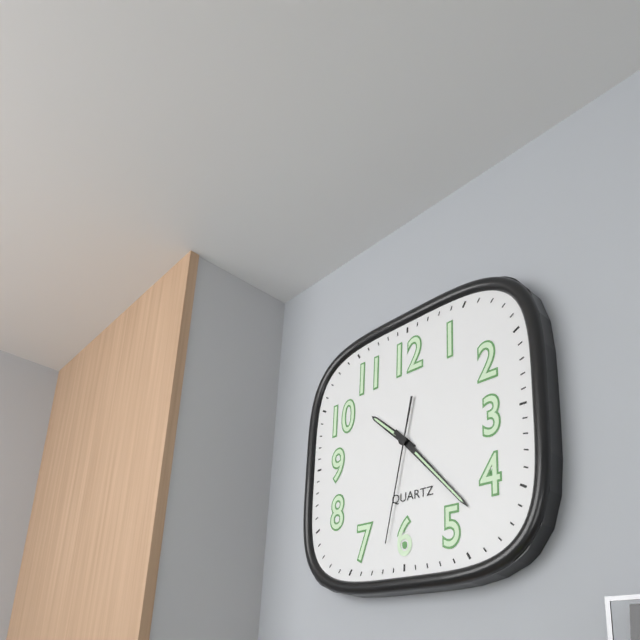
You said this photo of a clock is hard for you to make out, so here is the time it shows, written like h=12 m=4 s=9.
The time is h=10 m=23 s=32
